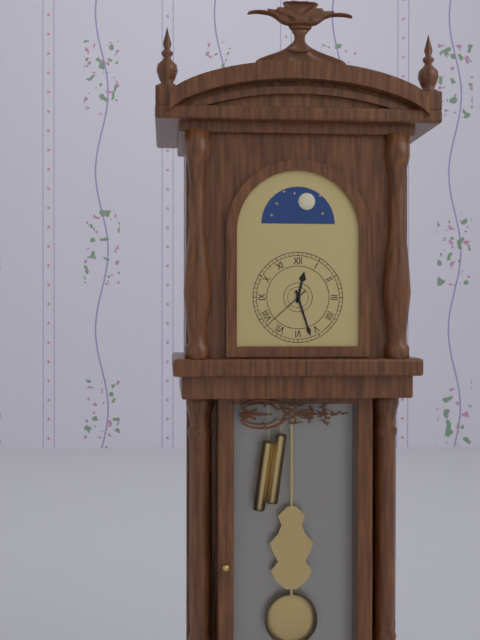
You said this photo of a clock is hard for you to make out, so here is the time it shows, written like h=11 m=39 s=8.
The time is h=12 m=27 s=38
